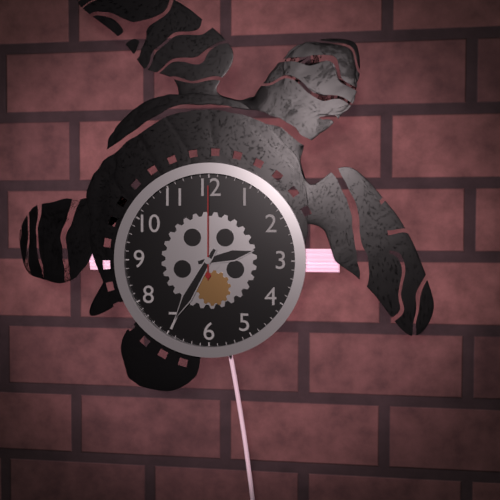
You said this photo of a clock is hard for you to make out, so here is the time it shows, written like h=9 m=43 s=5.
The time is h=2 m=35 s=0
